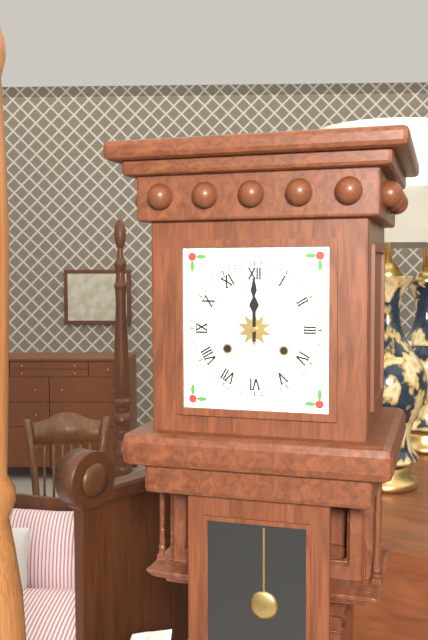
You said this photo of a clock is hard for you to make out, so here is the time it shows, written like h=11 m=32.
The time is h=12 m=0
